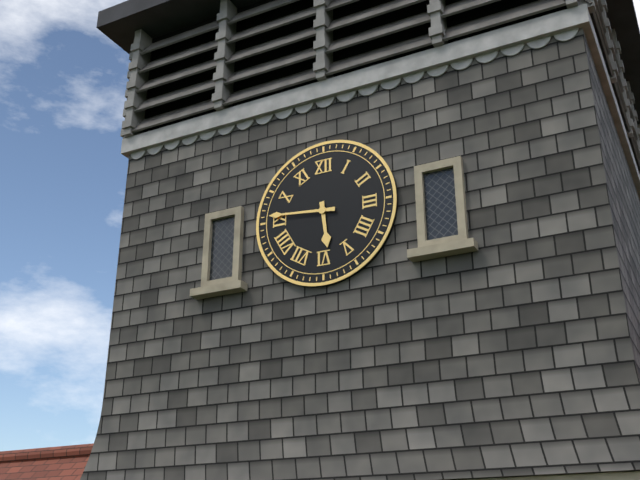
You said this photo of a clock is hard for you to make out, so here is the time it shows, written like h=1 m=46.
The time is h=5 m=46
